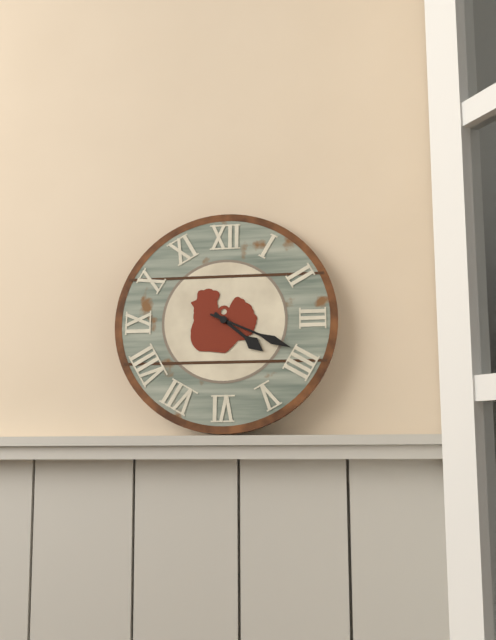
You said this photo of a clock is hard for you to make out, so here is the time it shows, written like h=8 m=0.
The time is h=4 m=19
